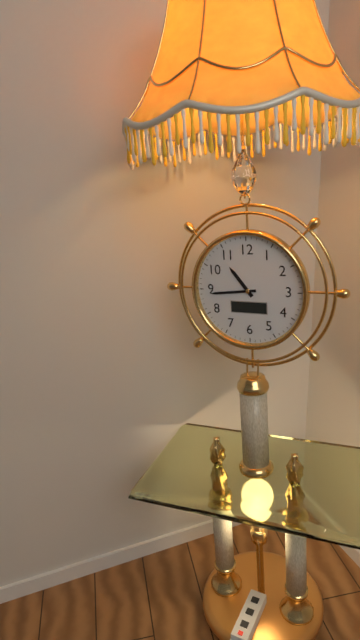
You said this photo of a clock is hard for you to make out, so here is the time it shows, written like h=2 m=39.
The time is h=10 m=44
